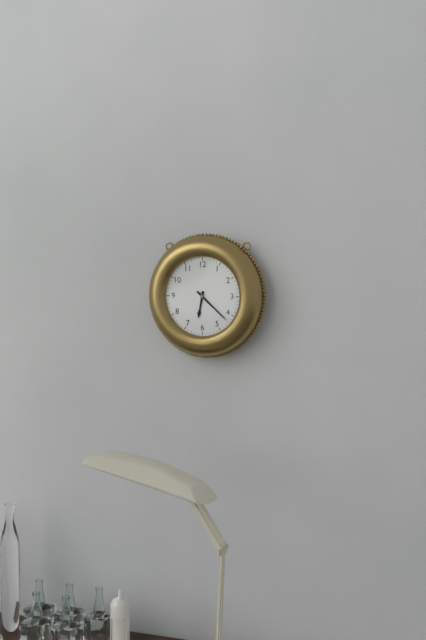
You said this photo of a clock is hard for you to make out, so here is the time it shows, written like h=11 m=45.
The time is h=6 m=22
